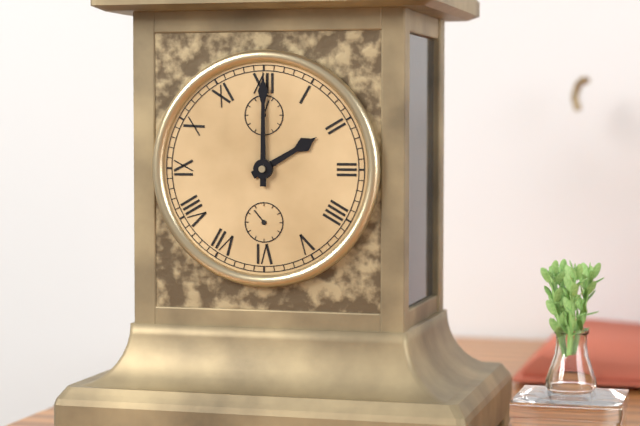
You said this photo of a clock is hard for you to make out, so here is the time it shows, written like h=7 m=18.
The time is h=2 m=0
